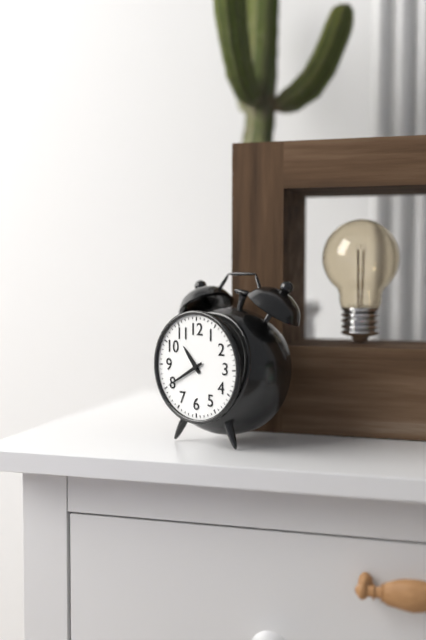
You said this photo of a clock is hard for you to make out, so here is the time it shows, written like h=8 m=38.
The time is h=10 m=40
